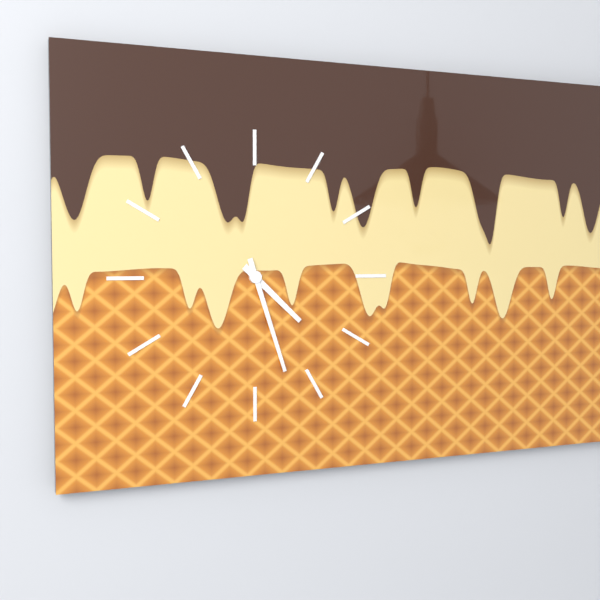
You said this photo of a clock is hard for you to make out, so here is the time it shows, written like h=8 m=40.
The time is h=4 m=27
